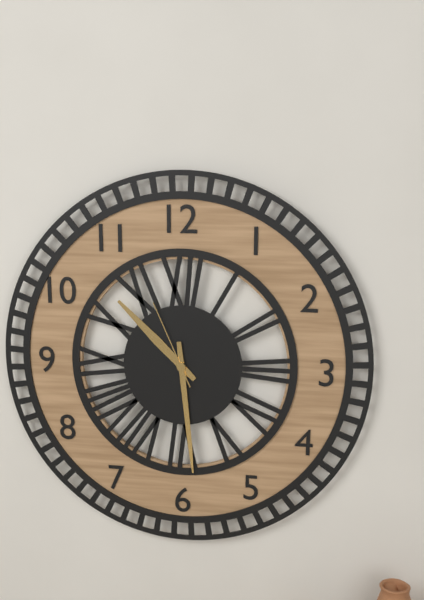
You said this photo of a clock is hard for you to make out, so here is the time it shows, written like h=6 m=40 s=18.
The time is h=10 m=29 s=56
